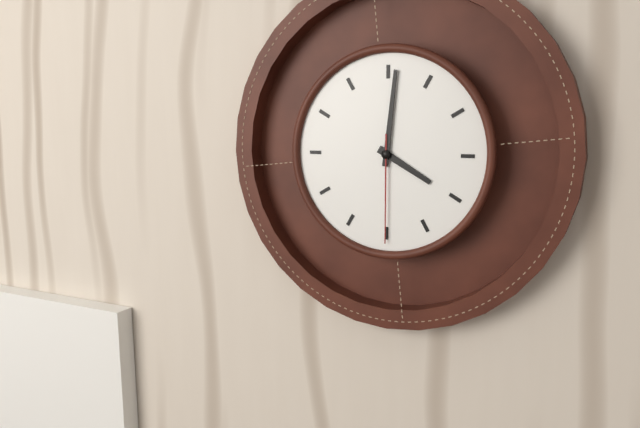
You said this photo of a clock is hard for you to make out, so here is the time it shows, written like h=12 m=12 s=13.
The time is h=4 m=1 s=30
